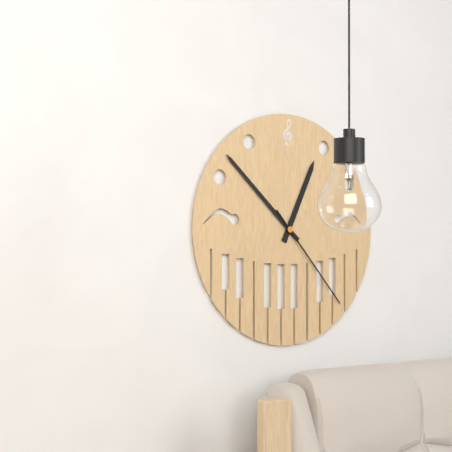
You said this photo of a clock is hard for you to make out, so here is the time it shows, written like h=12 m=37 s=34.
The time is h=12 m=52 s=23
